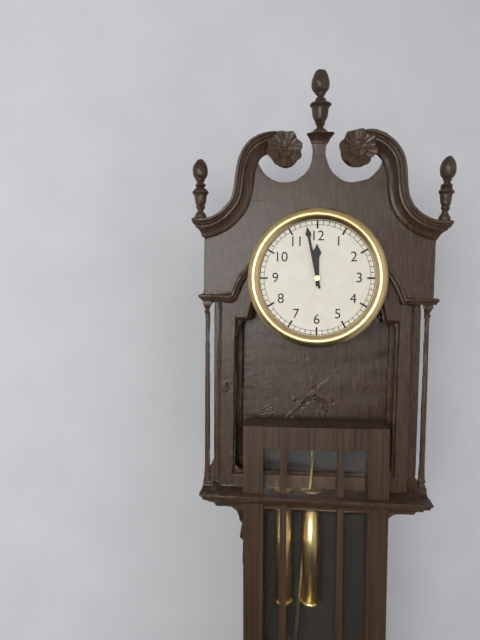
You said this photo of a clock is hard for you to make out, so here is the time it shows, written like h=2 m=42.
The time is h=11 m=58
